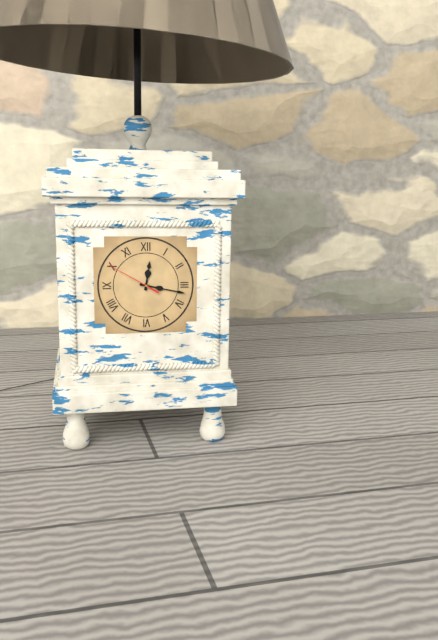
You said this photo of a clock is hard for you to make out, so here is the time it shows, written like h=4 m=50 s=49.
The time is h=12 m=17 s=50
